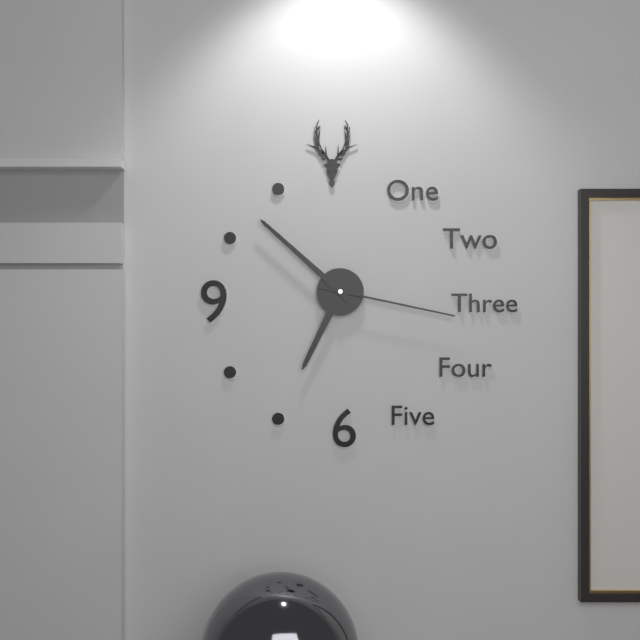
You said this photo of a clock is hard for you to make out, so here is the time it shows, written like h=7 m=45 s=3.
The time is h=6 m=52 s=17
